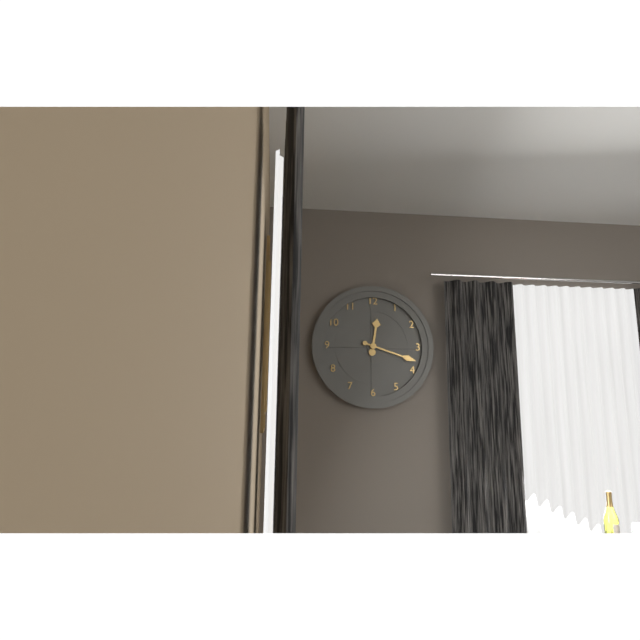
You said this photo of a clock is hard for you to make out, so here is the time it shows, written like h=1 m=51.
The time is h=12 m=18
